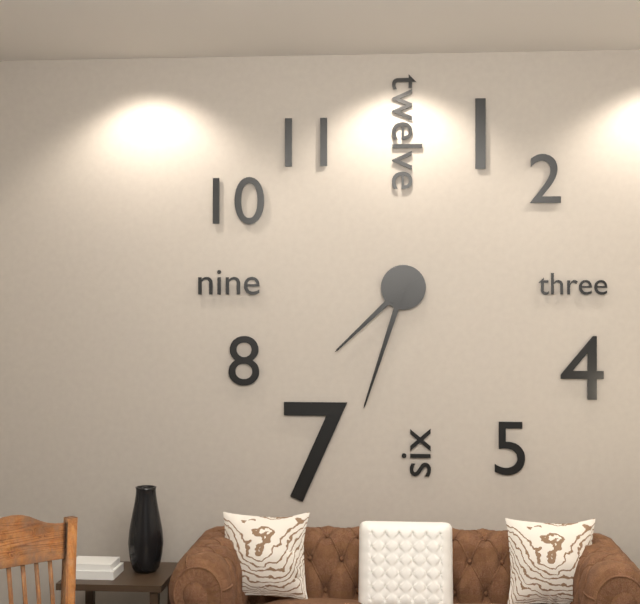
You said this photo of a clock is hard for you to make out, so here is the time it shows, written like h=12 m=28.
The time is h=7 m=33
